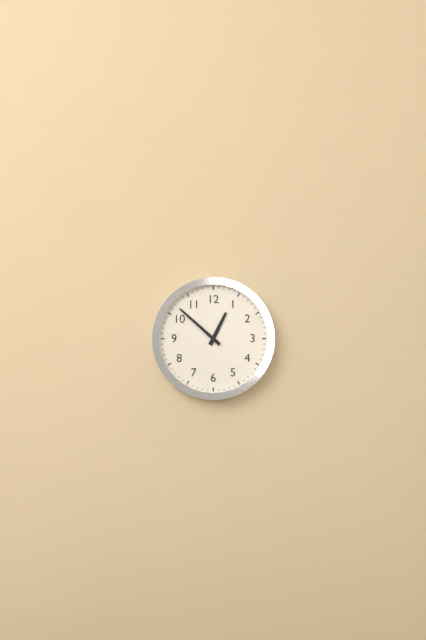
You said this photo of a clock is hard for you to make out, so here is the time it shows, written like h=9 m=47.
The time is h=12 m=52
